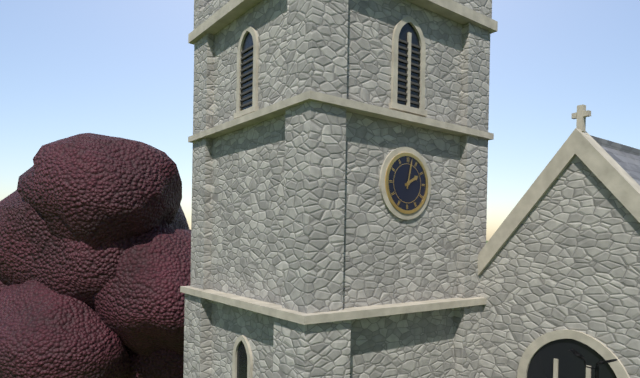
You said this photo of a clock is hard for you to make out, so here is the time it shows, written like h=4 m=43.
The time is h=2 m=2
